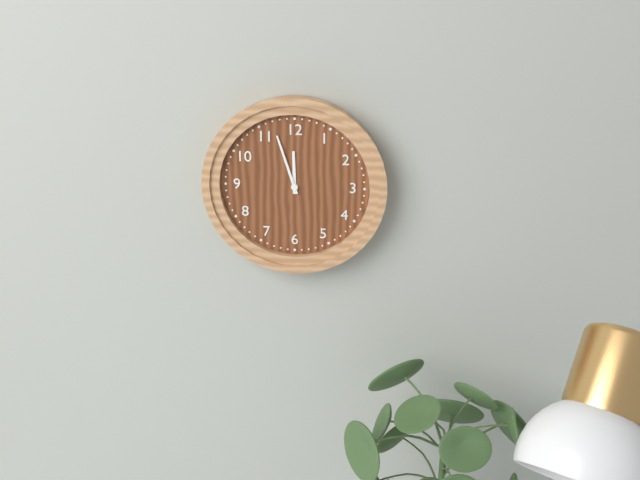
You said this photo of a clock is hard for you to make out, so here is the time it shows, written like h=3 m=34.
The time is h=11 m=57
